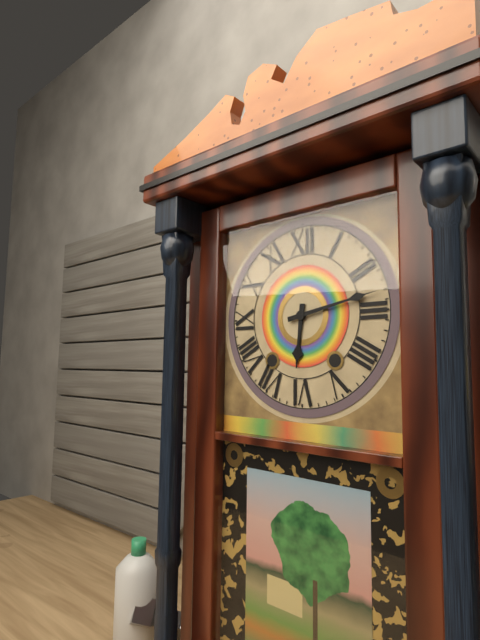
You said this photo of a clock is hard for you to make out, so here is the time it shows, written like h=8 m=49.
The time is h=6 m=13
